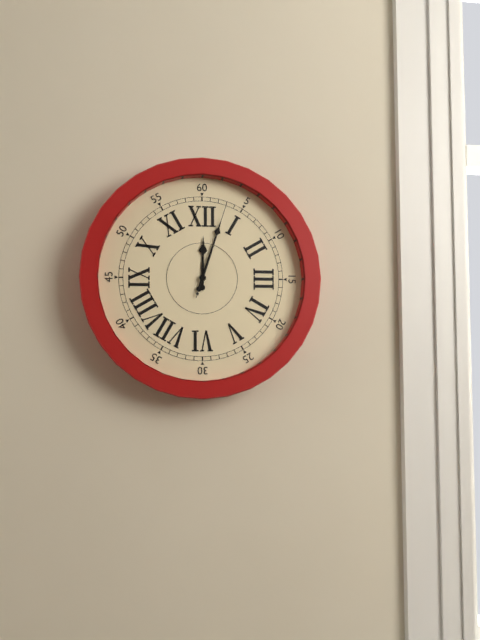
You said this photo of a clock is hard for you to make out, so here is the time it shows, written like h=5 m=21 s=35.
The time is h=12 m=3 s=3
